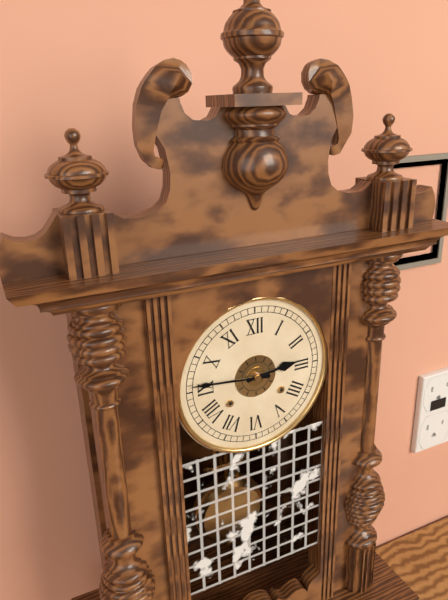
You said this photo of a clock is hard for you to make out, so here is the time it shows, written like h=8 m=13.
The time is h=2 m=46
